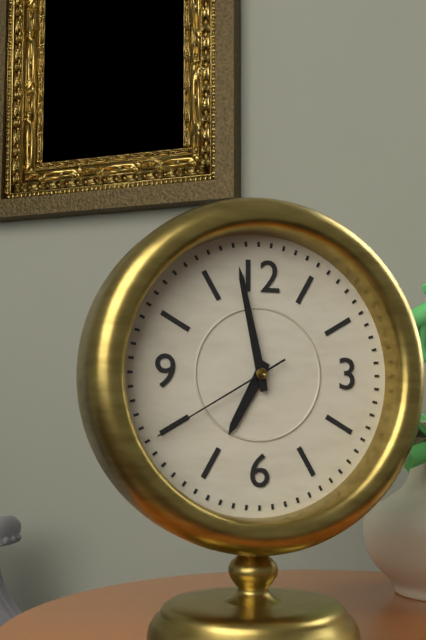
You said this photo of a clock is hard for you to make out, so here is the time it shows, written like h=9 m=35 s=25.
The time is h=6 m=58 s=40
